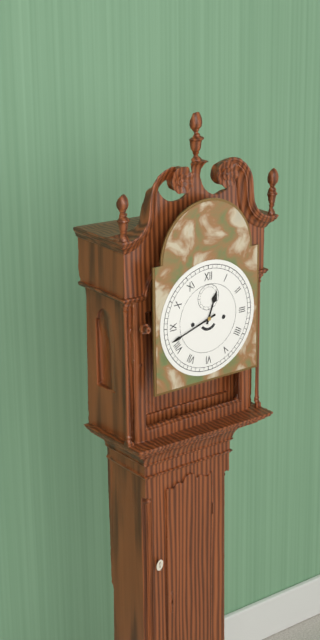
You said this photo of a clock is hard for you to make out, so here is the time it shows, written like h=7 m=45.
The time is h=12 m=42
